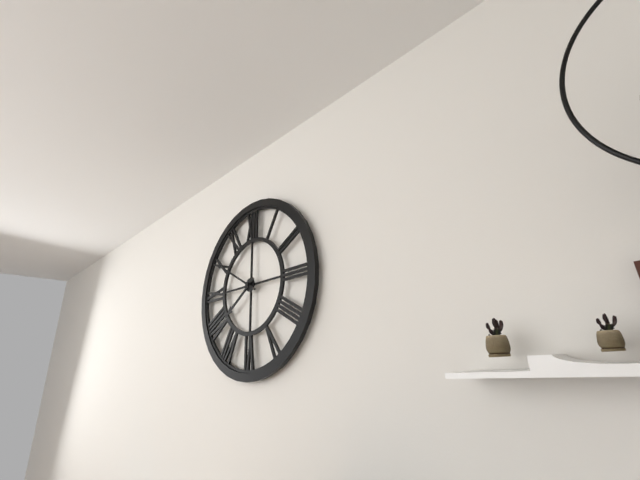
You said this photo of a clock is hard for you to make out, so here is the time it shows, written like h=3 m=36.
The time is h=7 m=50
